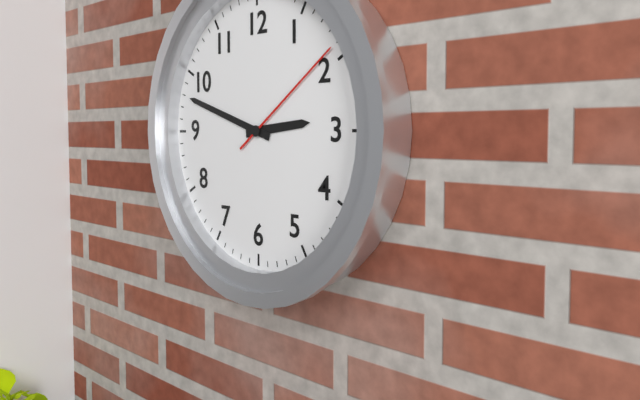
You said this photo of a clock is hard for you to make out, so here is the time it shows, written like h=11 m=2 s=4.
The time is h=2 m=48 s=9
